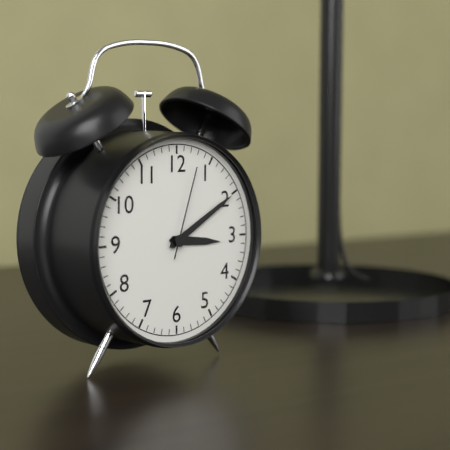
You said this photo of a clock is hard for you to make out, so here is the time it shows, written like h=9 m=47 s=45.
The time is h=3 m=10 s=3
